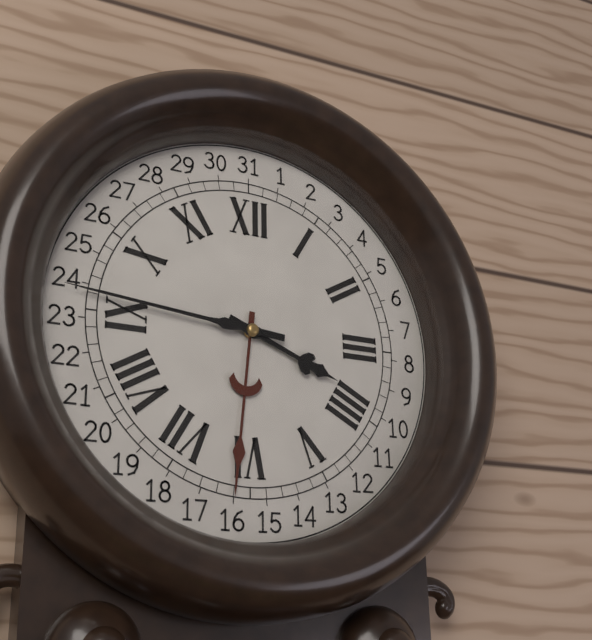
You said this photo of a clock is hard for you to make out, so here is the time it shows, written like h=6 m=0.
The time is h=3 m=46
